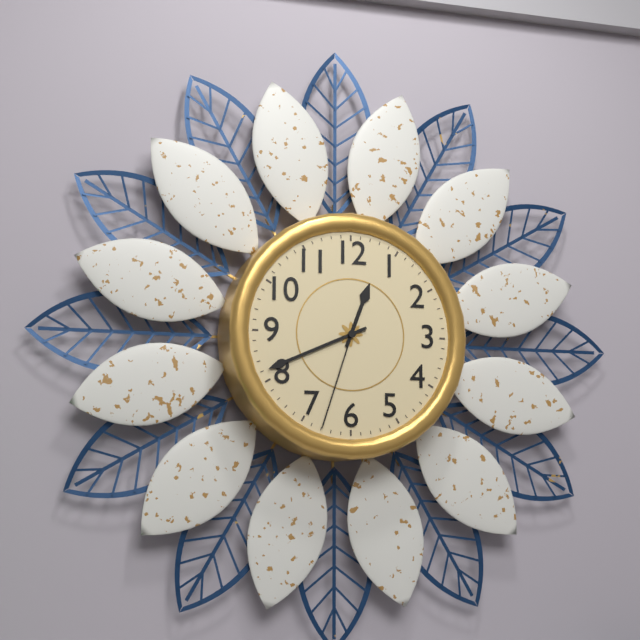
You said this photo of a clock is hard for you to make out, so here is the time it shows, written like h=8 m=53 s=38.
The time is h=12 m=41 s=33
